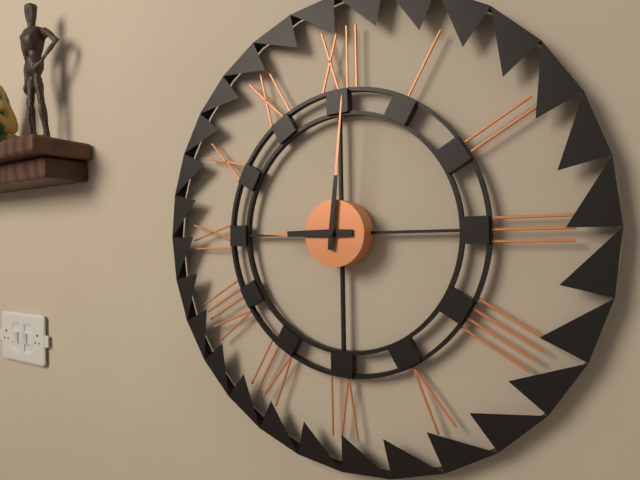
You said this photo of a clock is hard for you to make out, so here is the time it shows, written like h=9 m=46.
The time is h=9 m=1
